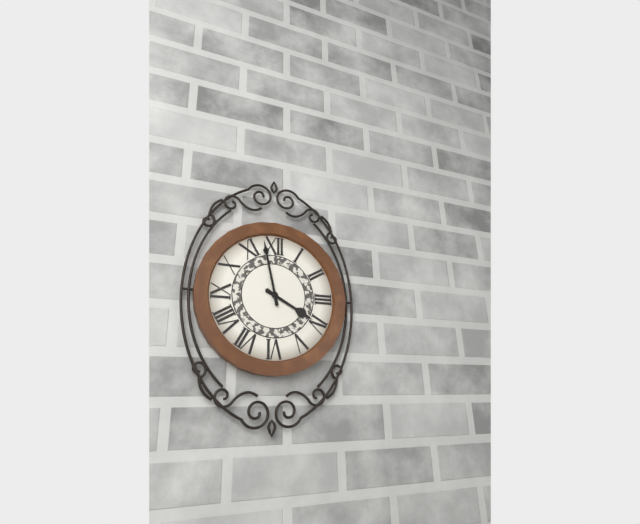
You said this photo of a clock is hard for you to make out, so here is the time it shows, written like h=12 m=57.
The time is h=3 m=58
